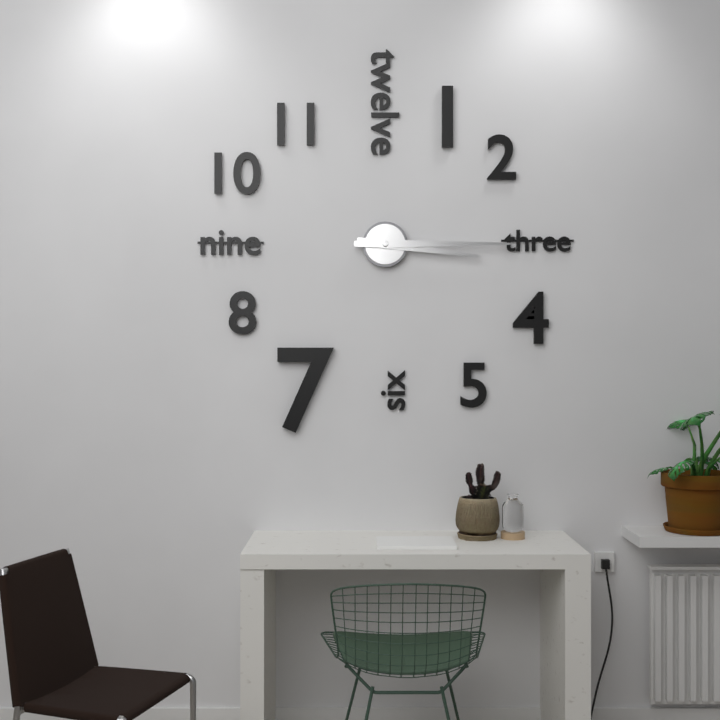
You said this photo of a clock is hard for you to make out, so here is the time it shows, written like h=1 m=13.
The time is h=3 m=15
